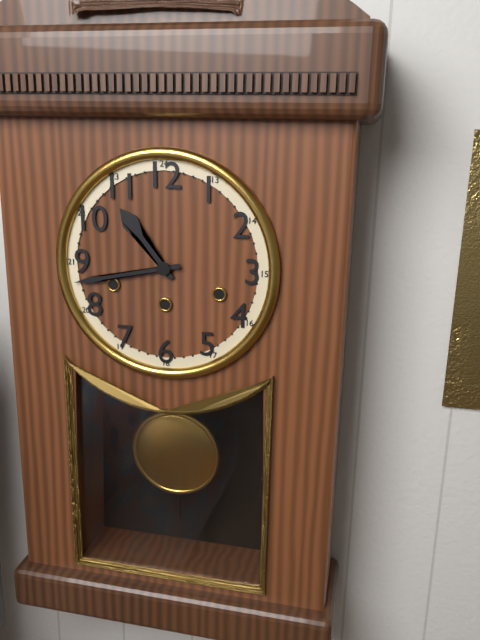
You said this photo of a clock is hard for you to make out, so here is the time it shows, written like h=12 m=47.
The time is h=10 m=43
